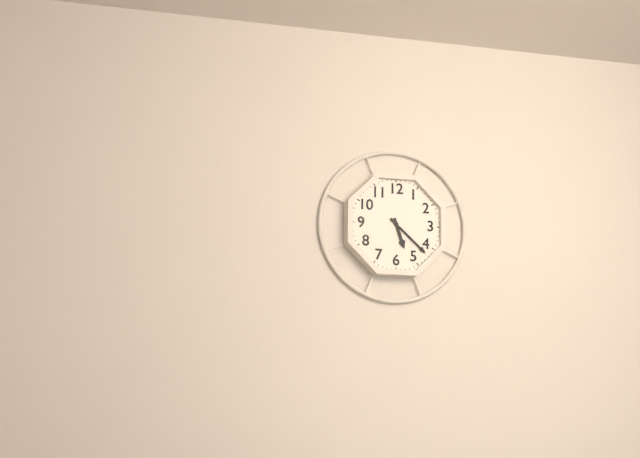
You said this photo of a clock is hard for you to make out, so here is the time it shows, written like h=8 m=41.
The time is h=5 m=22
